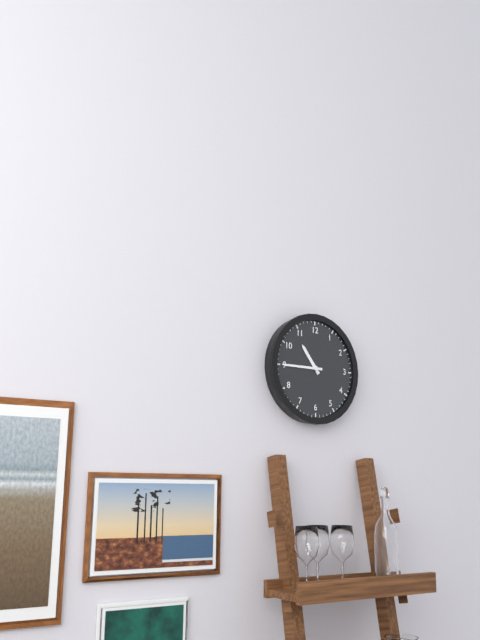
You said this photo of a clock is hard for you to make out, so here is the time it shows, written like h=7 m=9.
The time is h=10 m=45
